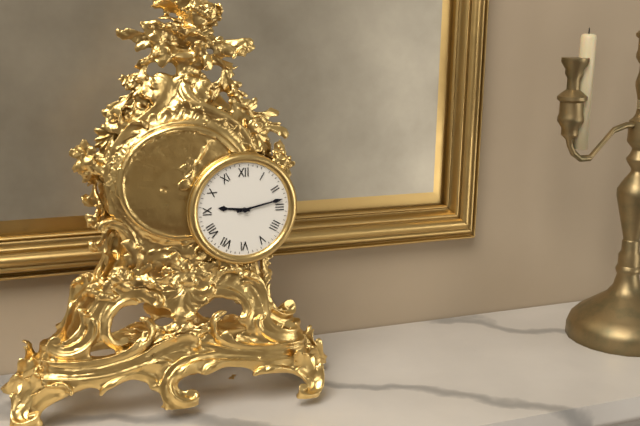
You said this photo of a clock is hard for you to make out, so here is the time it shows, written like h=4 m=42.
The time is h=9 m=13
